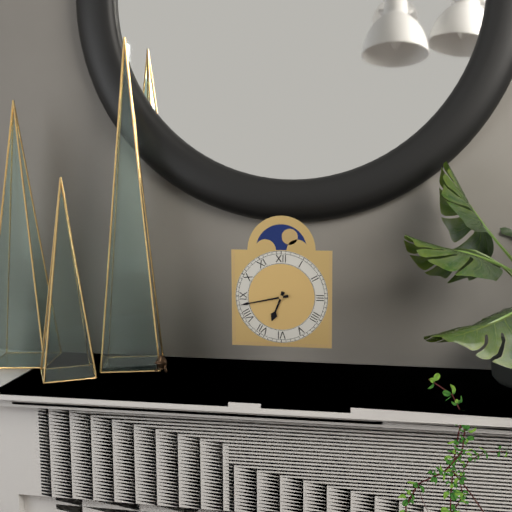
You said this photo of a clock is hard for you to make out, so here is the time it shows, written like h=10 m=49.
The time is h=6 m=43
